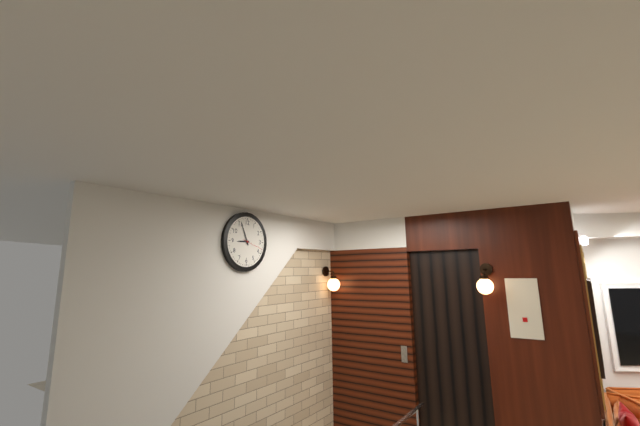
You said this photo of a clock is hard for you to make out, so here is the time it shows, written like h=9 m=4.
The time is h=8 m=56
